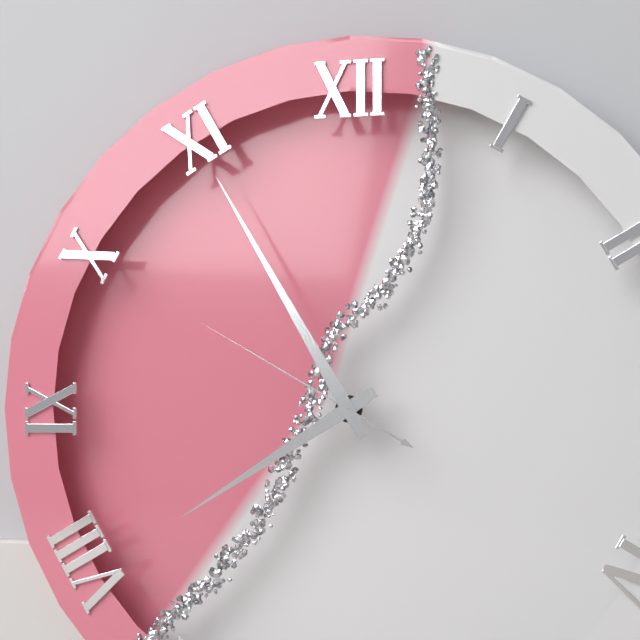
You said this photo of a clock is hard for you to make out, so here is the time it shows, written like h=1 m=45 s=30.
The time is h=7 m=55 s=50
